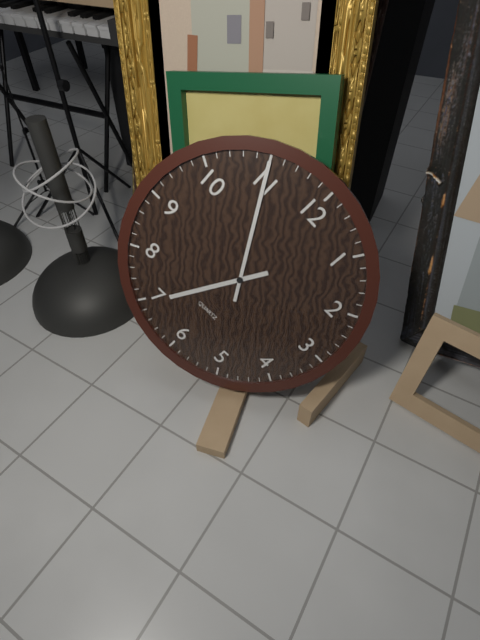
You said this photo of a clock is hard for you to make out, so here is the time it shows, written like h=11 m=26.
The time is h=6 m=55
